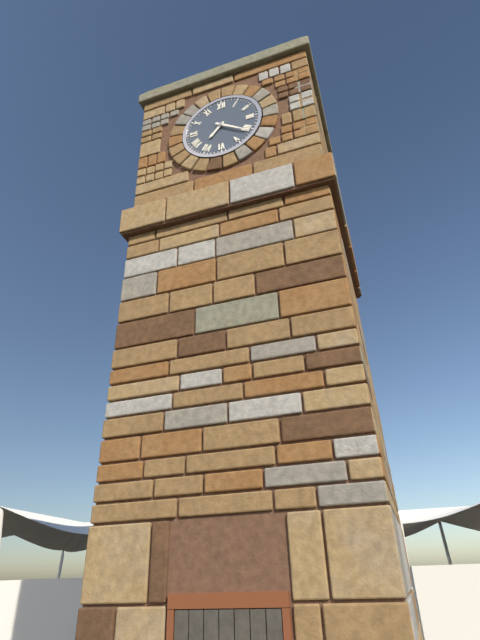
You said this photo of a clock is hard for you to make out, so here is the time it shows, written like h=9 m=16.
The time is h=7 m=21
